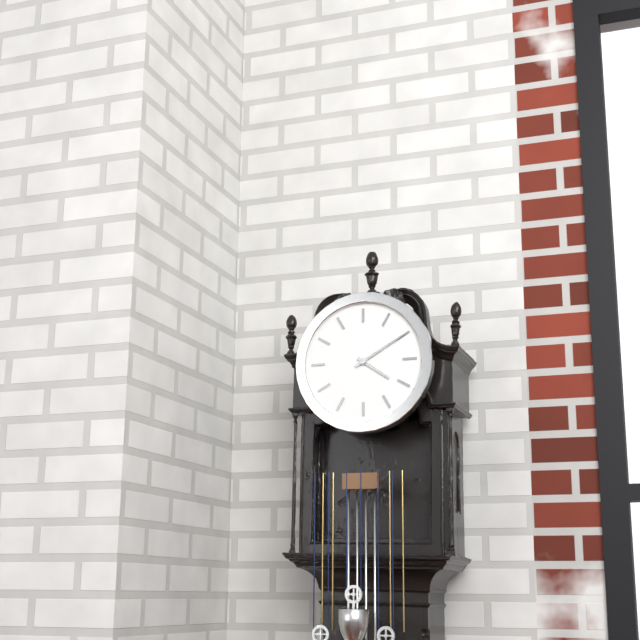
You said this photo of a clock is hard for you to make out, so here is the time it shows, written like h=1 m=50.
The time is h=4 m=10
